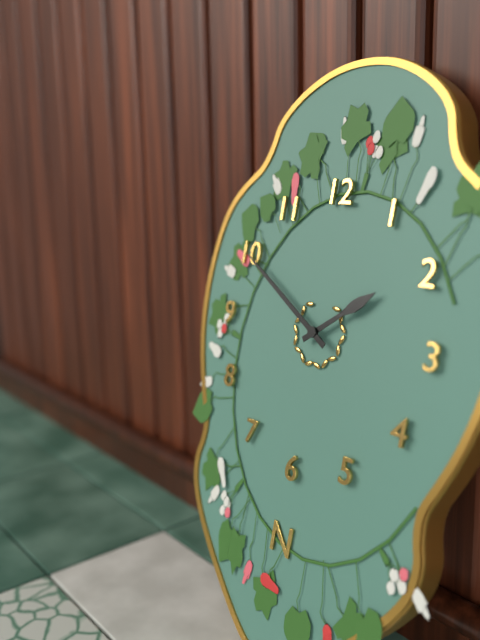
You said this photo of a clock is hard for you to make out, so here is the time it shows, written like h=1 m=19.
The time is h=1 m=50
